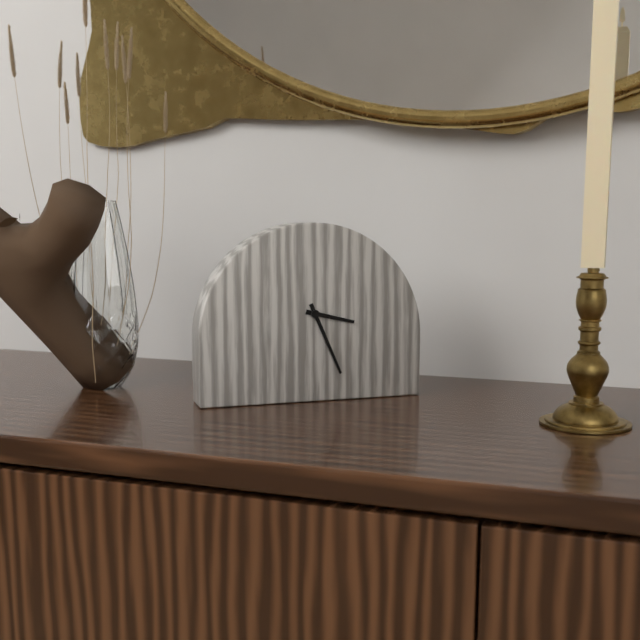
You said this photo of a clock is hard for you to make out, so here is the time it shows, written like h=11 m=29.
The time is h=3 m=26
